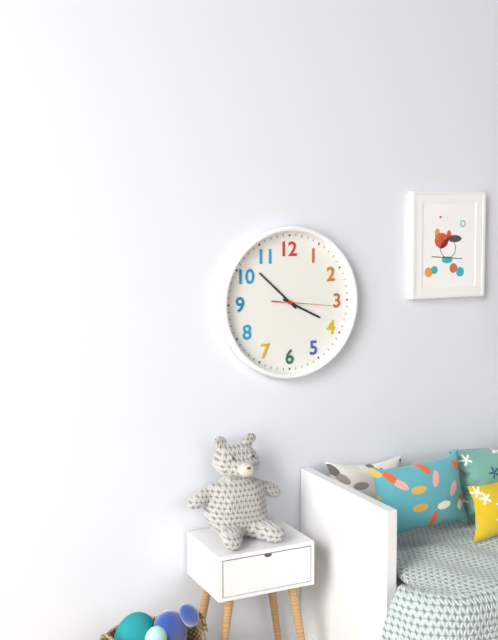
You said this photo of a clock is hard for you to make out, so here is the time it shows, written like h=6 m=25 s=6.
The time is h=3 m=52 s=16
